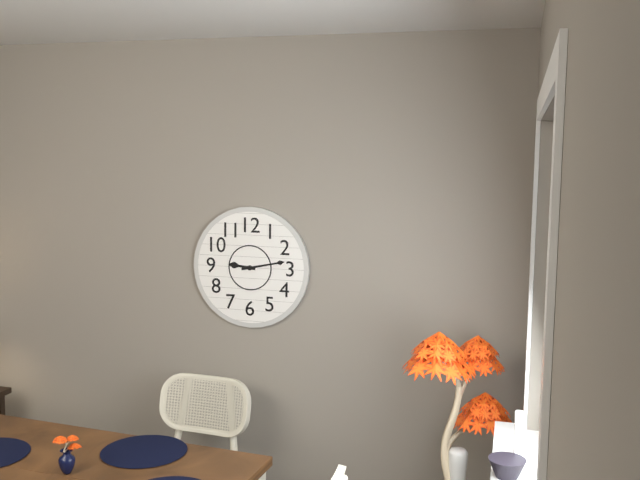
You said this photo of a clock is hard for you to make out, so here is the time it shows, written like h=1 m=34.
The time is h=9 m=13
